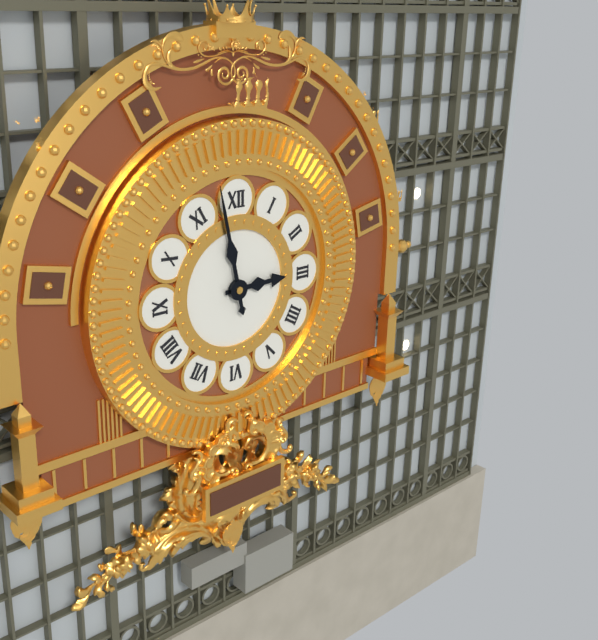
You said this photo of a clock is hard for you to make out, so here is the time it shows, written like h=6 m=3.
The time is h=2 m=58
